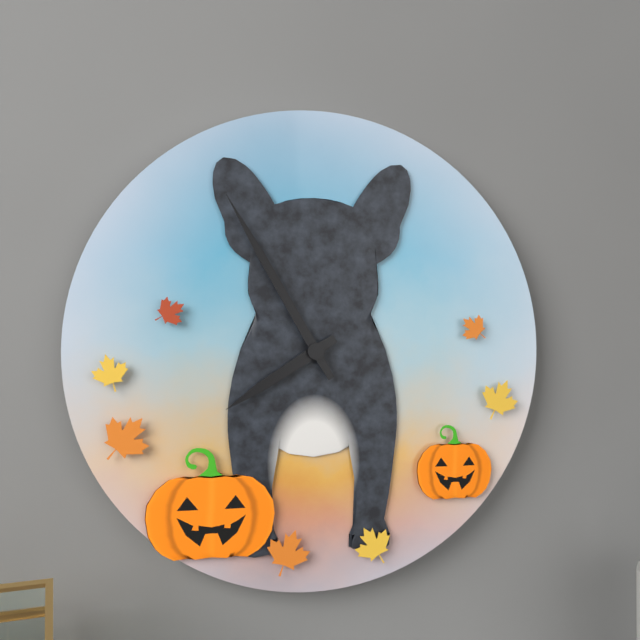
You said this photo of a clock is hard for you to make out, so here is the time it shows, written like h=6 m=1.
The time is h=7 m=55
